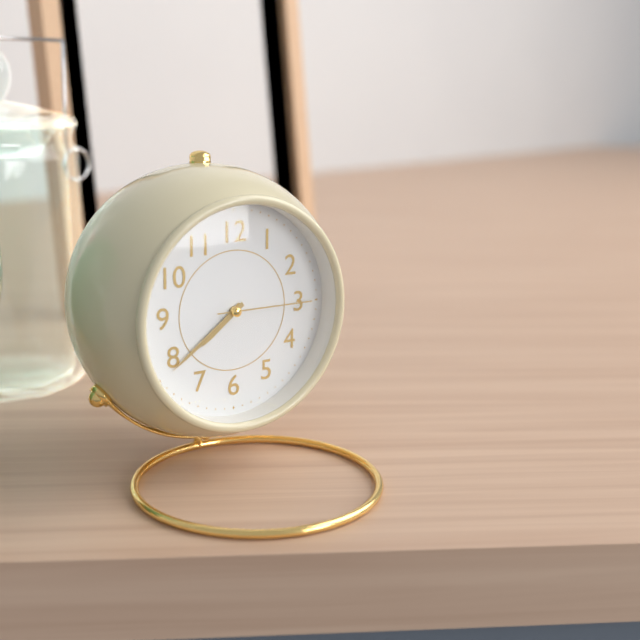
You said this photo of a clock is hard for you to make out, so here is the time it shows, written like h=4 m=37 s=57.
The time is h=7 m=39 s=15
